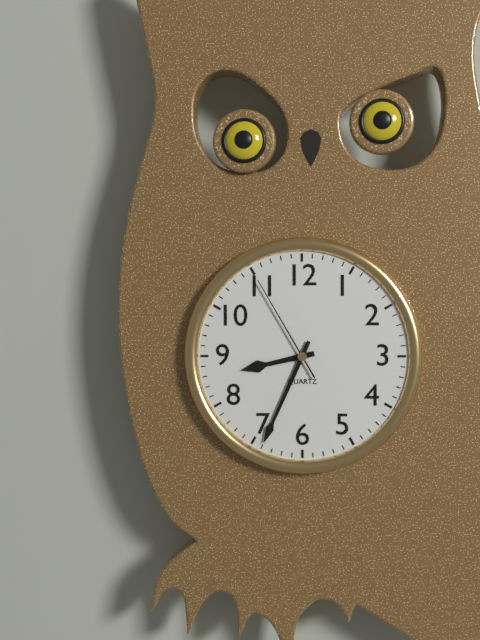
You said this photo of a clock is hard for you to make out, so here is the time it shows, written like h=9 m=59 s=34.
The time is h=8 m=34 s=55
